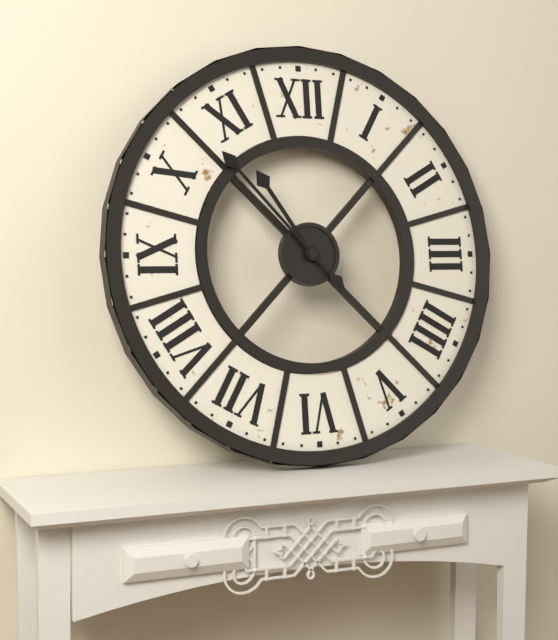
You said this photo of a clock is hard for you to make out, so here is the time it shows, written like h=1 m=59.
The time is h=10 m=53
